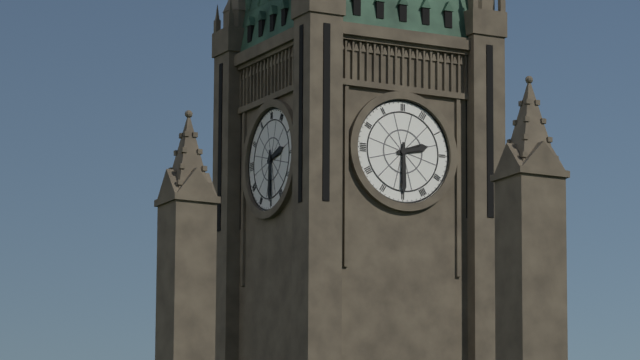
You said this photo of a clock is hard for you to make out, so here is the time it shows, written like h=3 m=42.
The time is h=2 m=30
